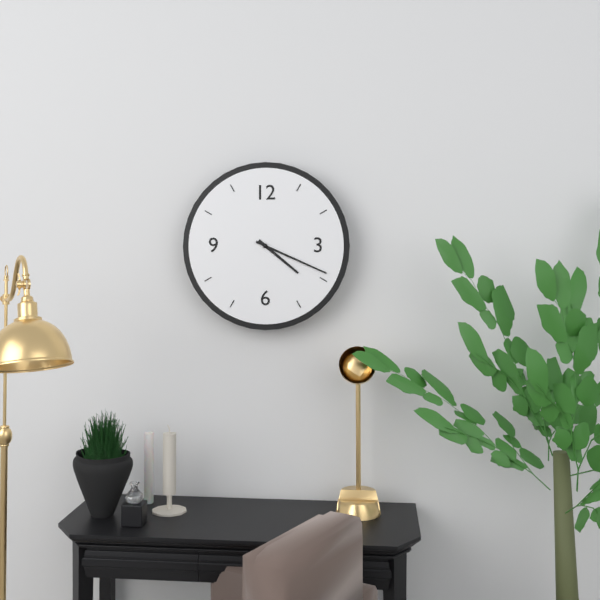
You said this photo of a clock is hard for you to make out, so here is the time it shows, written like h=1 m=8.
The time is h=4 m=19
